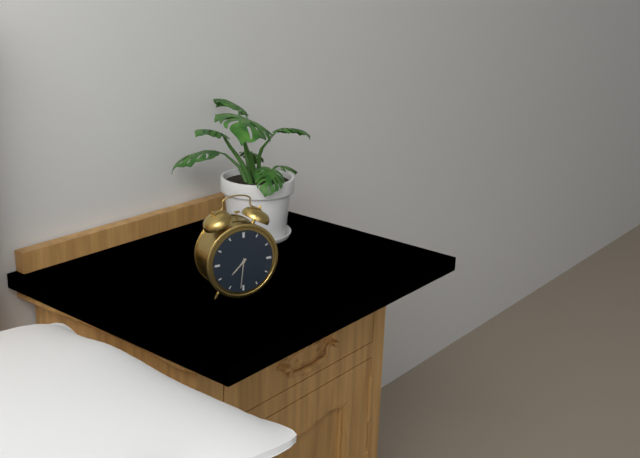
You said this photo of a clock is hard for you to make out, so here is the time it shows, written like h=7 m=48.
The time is h=7 m=31
